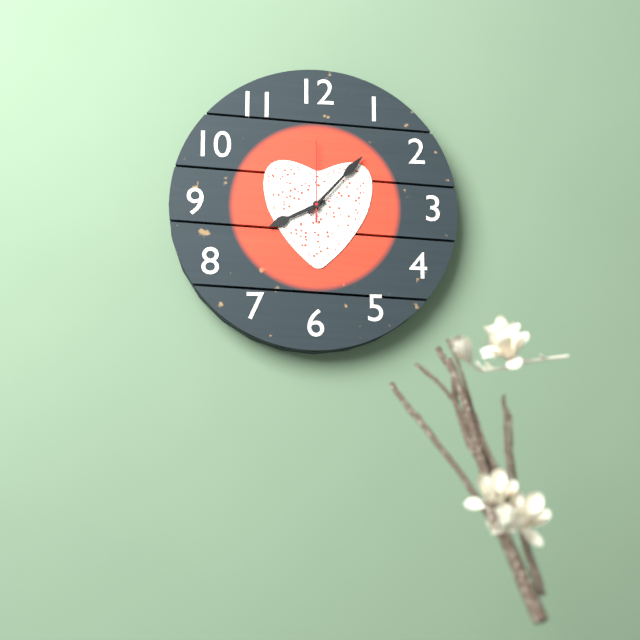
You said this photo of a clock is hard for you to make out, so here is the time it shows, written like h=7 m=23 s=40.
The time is h=8 m=7 s=0
